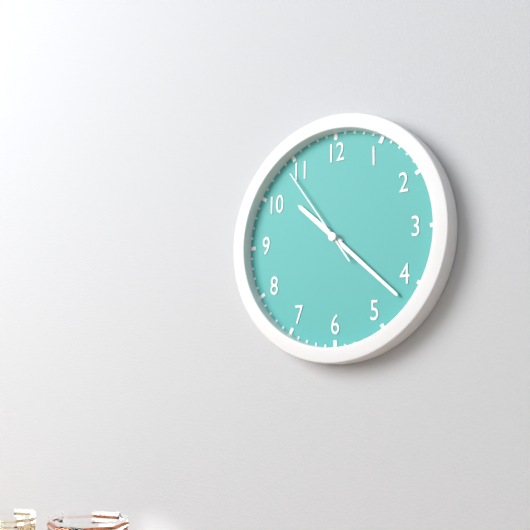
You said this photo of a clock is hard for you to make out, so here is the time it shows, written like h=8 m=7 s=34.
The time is h=10 m=22 s=54
